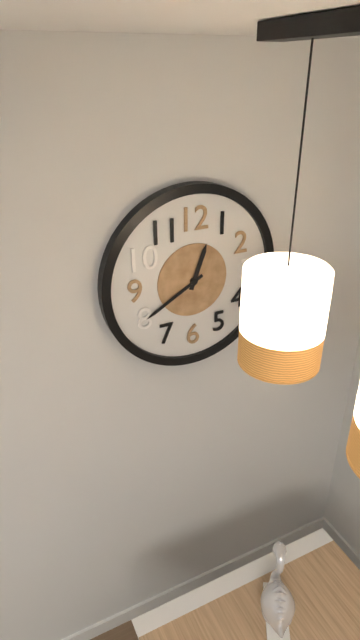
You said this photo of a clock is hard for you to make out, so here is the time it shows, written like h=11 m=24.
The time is h=12 m=40
